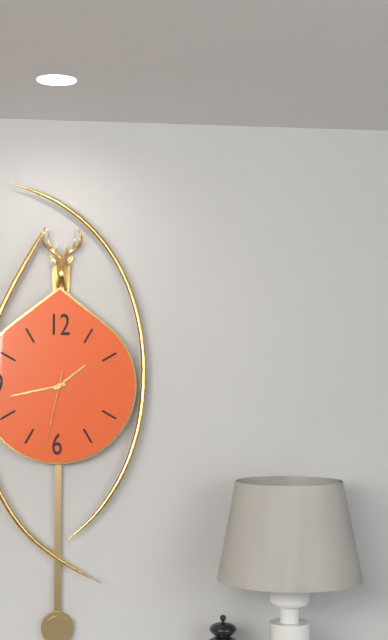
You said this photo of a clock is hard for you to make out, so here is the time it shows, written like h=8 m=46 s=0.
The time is h=1 m=43 s=32
